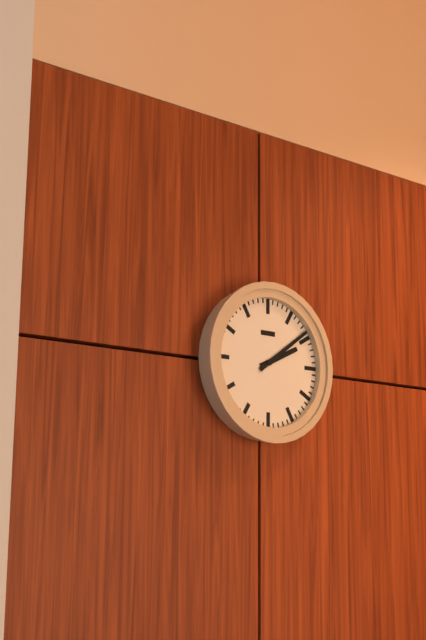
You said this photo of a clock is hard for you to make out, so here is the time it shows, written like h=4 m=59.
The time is h=2 m=9
